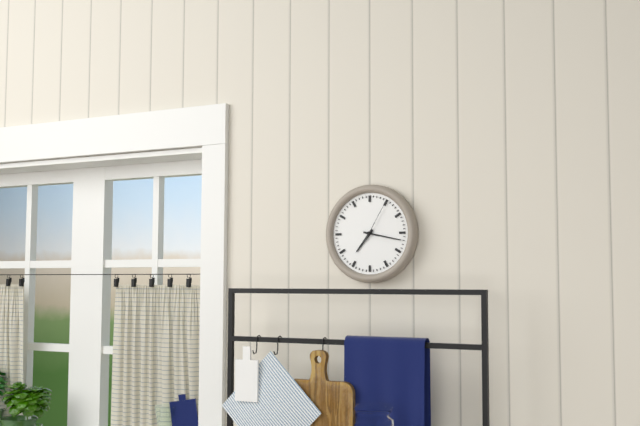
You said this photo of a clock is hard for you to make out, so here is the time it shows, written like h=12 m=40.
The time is h=7 m=17
